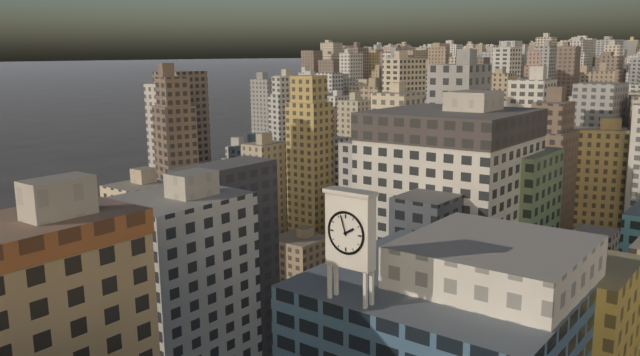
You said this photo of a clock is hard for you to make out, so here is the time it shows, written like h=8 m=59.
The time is h=1 m=57
